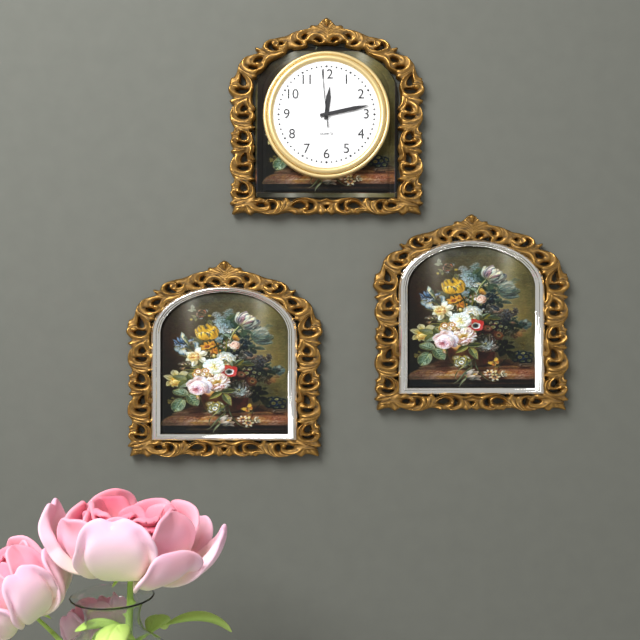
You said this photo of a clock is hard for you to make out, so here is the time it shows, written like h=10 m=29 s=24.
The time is h=12 m=13 s=59
